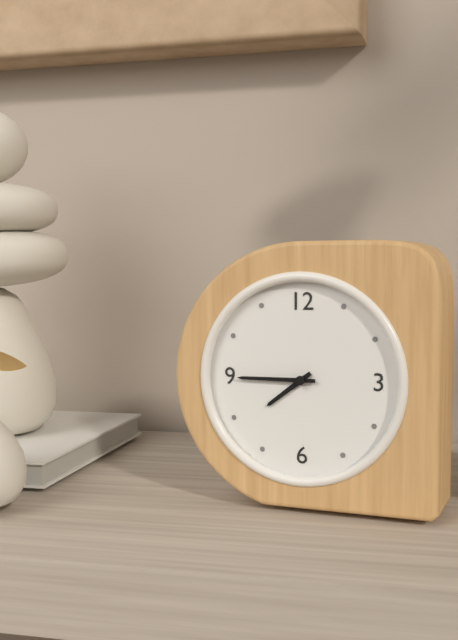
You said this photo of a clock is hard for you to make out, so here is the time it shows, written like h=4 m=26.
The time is h=7 m=45
